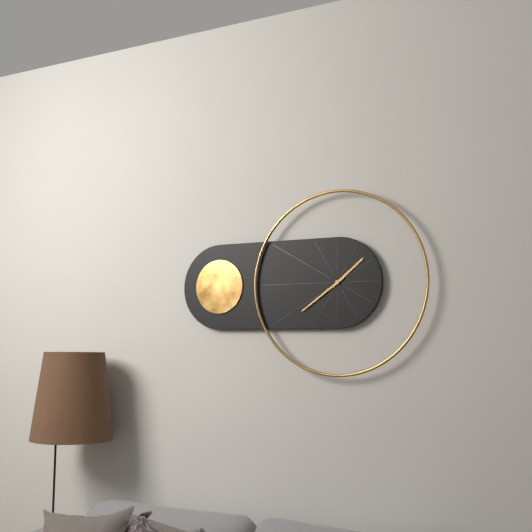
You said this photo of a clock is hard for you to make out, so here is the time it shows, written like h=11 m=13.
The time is h=1 m=39
